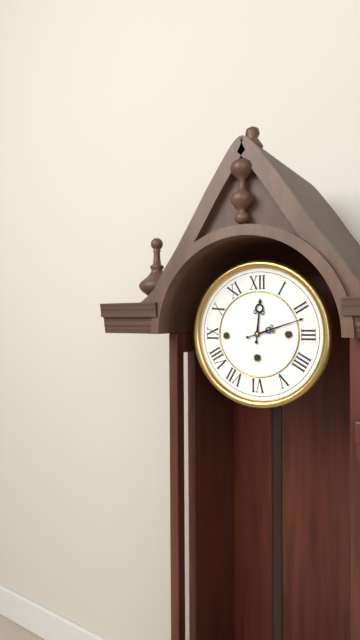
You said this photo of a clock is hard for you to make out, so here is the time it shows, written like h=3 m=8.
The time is h=12 m=12
